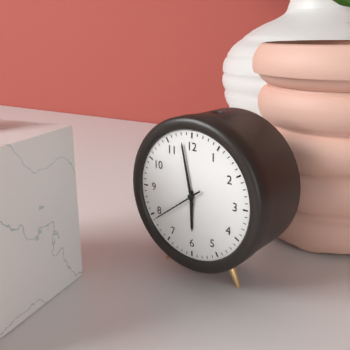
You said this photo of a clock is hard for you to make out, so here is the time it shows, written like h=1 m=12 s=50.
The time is h=5 m=58 s=39
